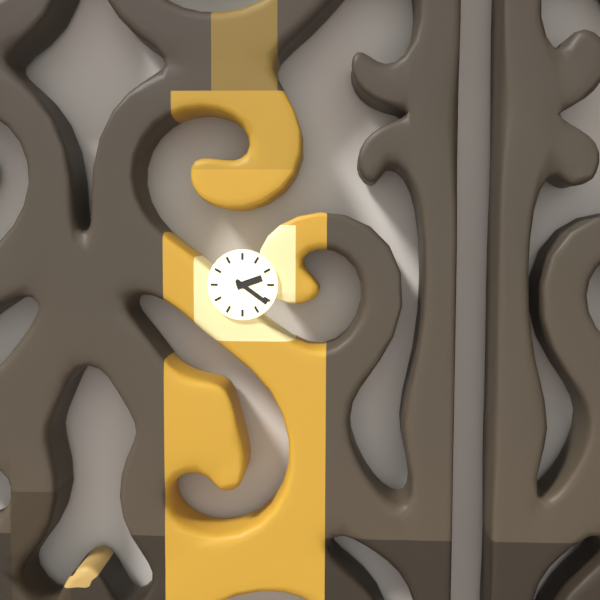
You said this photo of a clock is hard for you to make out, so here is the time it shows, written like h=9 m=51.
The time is h=2 m=21
